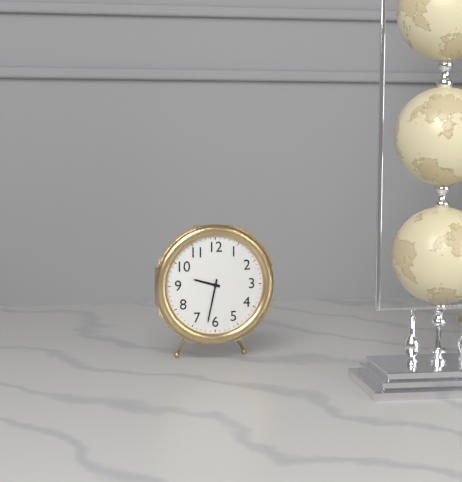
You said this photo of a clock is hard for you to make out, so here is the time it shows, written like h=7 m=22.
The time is h=9 m=32
